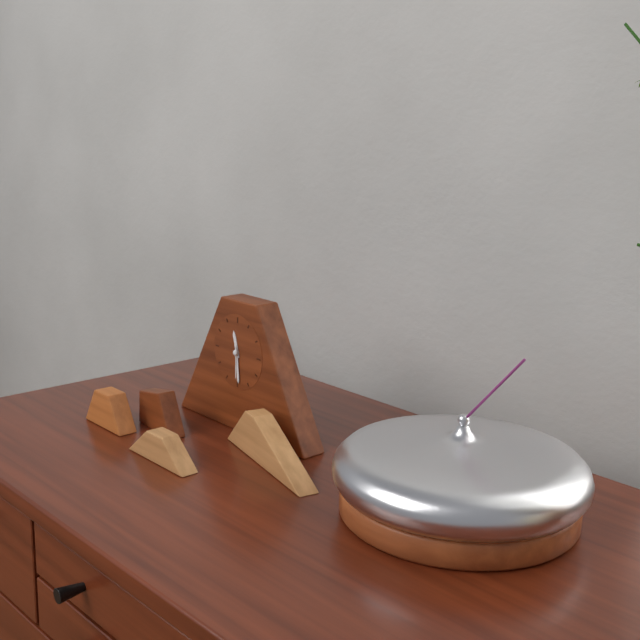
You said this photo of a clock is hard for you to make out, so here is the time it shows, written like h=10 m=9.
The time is h=11 m=29
